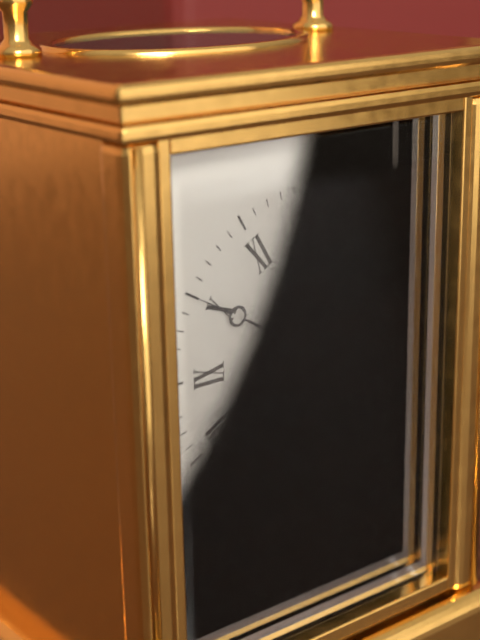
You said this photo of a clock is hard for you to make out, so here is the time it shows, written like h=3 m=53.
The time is h=12 m=50
